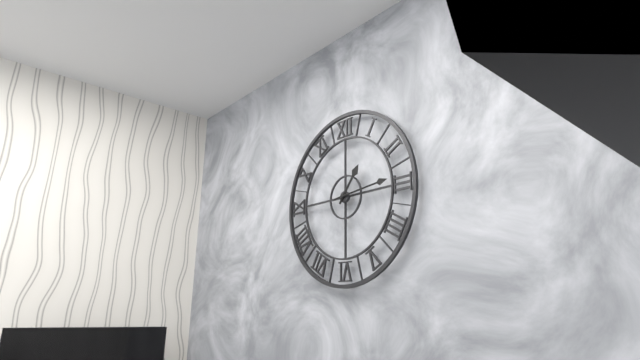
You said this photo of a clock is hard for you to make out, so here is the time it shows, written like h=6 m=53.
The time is h=1 m=14
